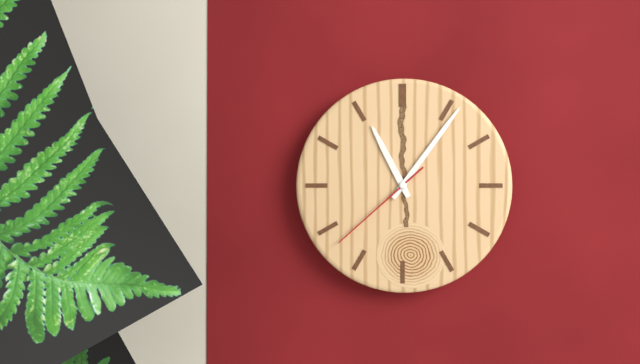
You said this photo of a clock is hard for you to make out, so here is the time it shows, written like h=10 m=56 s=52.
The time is h=11 m=6 s=38
